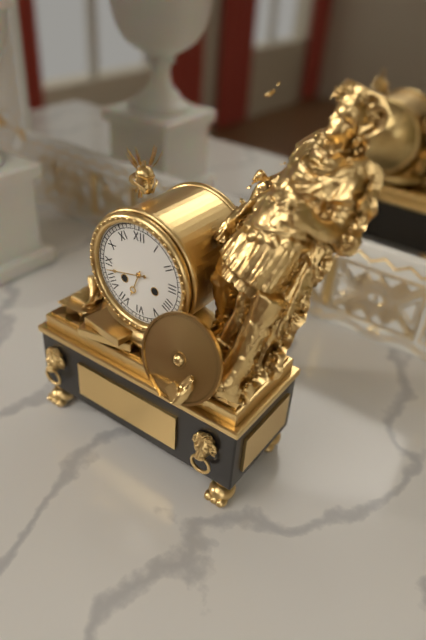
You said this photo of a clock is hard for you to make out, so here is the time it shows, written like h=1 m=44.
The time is h=6 m=43
